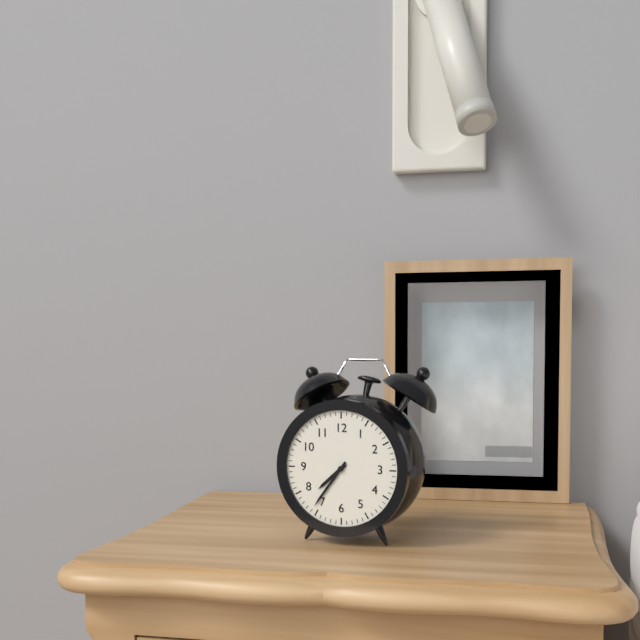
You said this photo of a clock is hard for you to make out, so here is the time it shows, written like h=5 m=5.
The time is h=7 m=36
